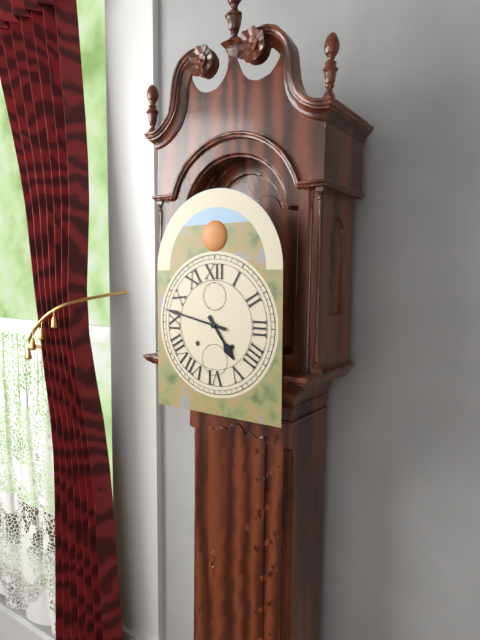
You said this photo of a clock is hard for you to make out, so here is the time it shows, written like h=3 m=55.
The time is h=4 m=47
